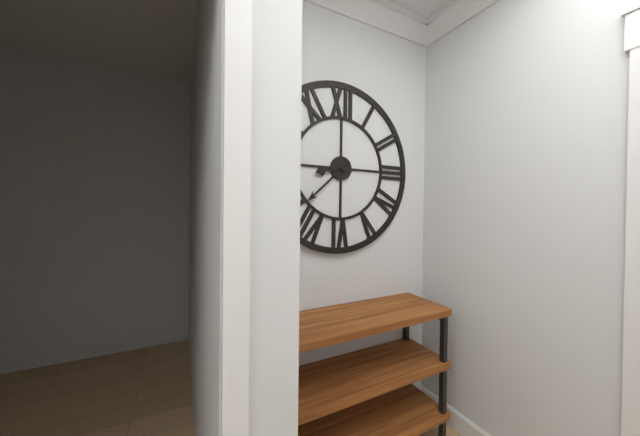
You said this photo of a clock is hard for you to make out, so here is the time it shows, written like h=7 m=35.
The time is h=8 m=38
